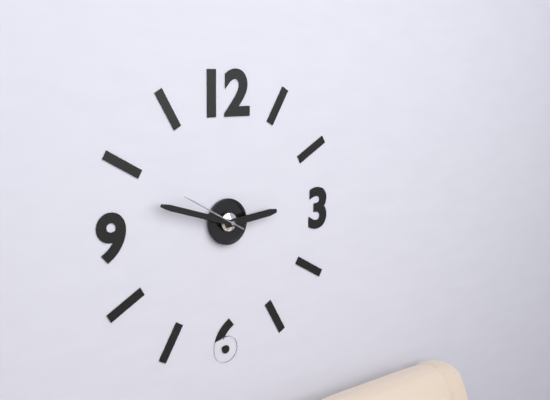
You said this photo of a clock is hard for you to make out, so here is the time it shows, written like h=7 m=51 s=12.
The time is h=2 m=48 s=50
